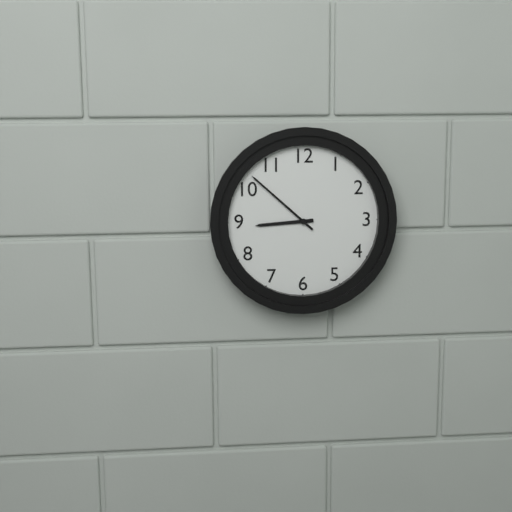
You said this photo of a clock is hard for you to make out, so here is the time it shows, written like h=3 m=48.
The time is h=8 m=52
